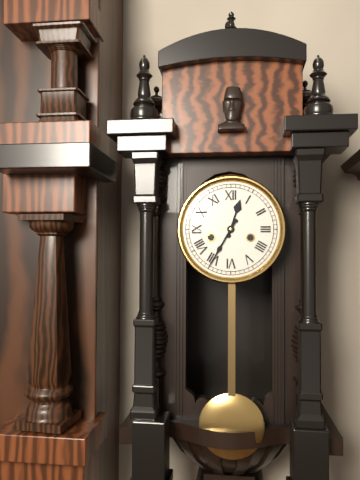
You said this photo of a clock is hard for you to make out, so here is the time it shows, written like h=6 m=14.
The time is h=12 m=35
